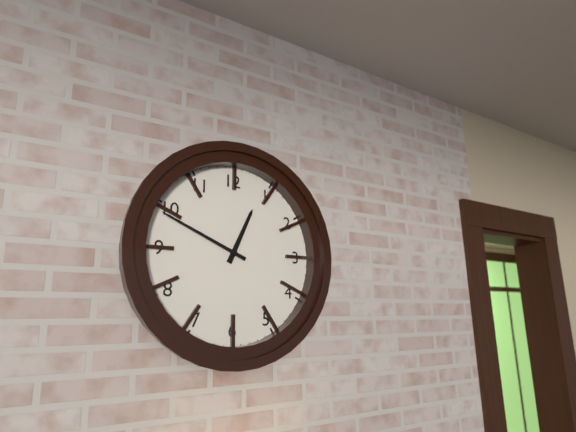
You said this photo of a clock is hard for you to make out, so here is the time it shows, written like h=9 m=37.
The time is h=12 m=49
